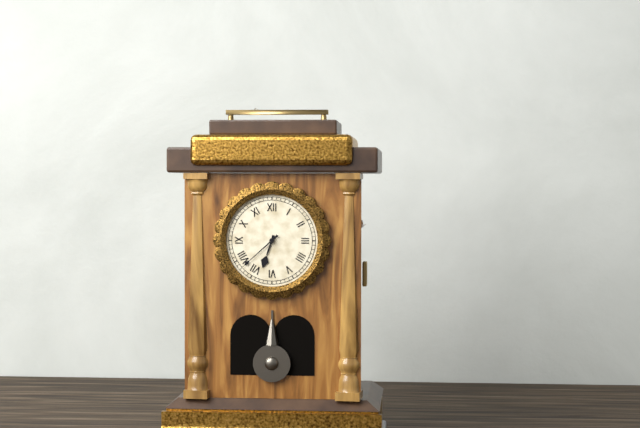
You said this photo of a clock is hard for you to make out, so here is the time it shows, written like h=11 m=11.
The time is h=6 m=38
